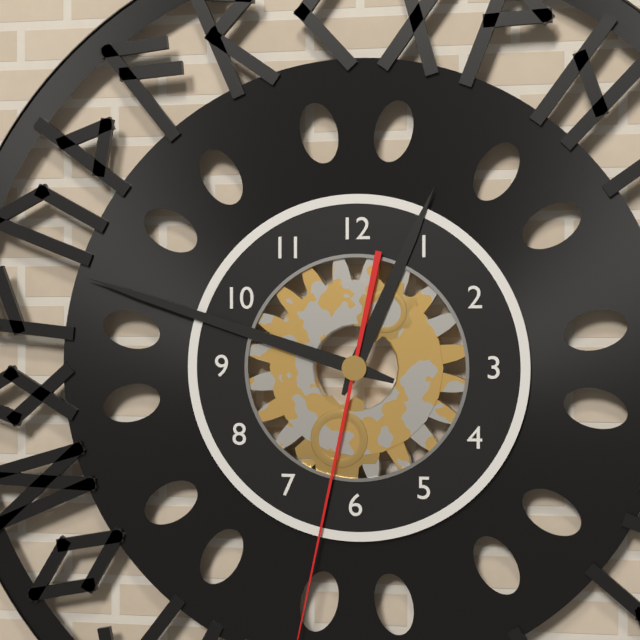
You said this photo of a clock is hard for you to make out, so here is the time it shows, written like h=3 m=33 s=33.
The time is h=12 m=48 s=32
